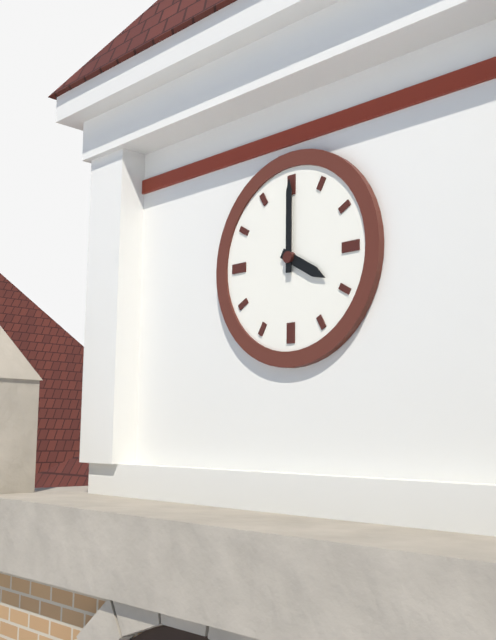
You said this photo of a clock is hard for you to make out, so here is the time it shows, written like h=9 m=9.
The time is h=4 m=0
